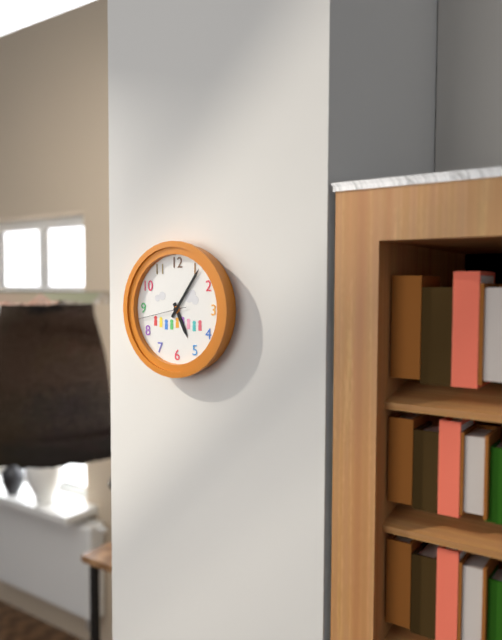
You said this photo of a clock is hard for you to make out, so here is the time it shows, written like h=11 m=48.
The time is h=5 m=6
